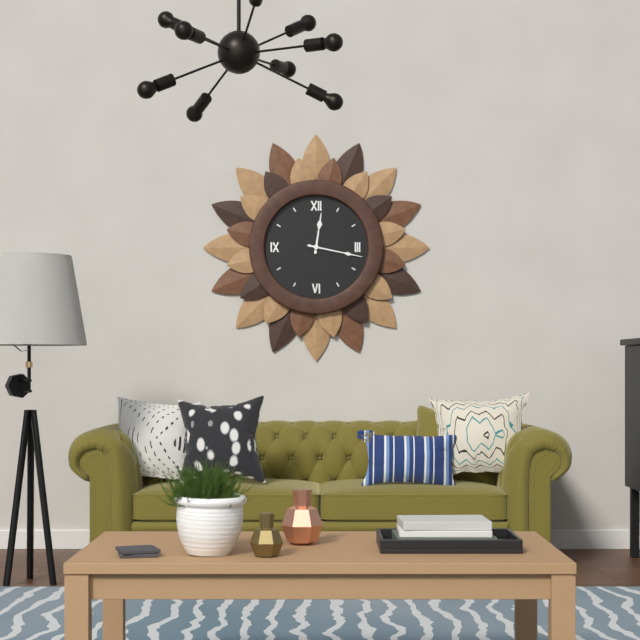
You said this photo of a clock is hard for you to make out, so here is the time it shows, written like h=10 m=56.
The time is h=12 m=17
